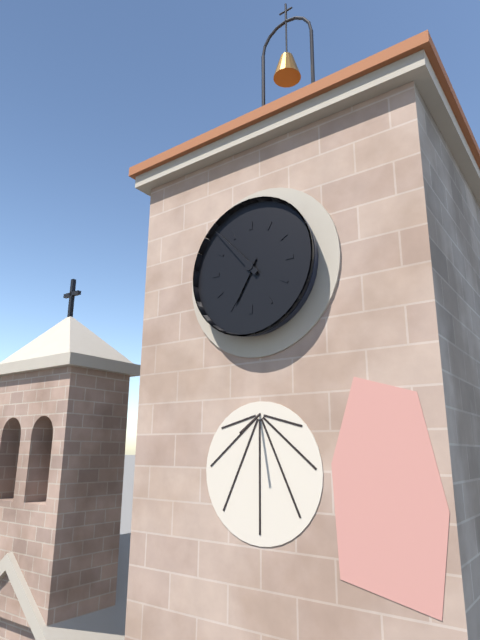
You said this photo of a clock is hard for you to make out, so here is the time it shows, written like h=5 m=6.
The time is h=6 m=53
